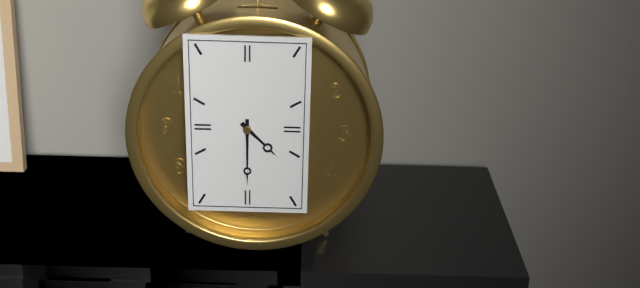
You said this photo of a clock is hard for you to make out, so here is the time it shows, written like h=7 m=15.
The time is h=4 m=30
